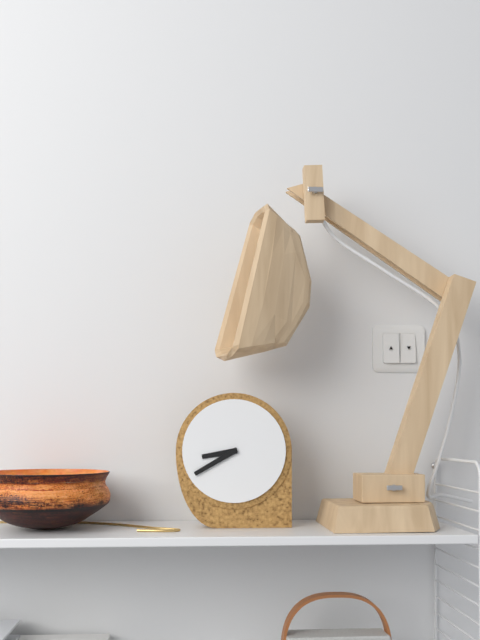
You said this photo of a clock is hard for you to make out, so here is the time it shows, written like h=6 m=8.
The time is h=8 m=40
